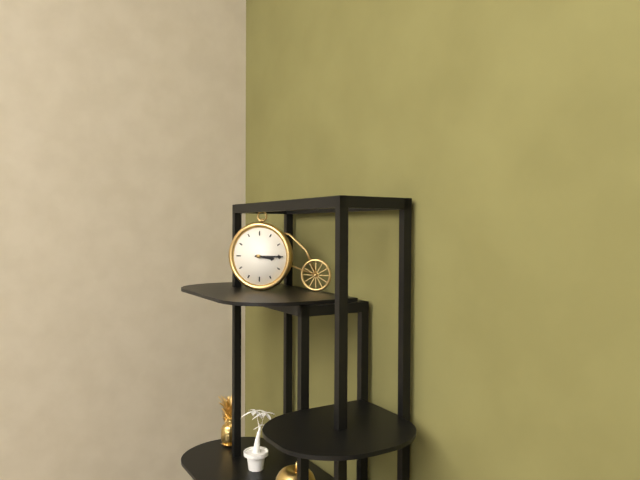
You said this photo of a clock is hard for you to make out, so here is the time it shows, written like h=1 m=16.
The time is h=3 m=15
